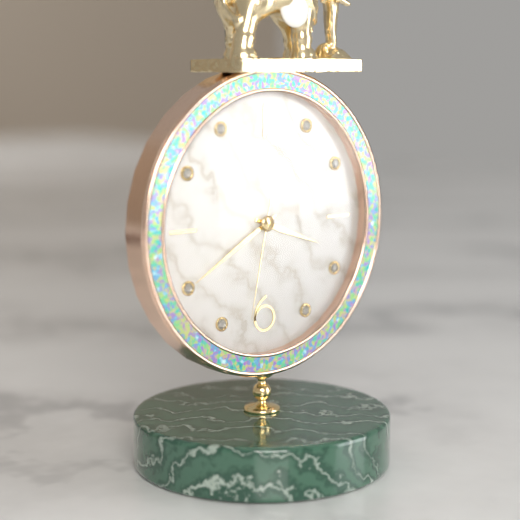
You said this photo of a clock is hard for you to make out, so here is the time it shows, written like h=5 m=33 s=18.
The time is h=3 m=40 s=32
